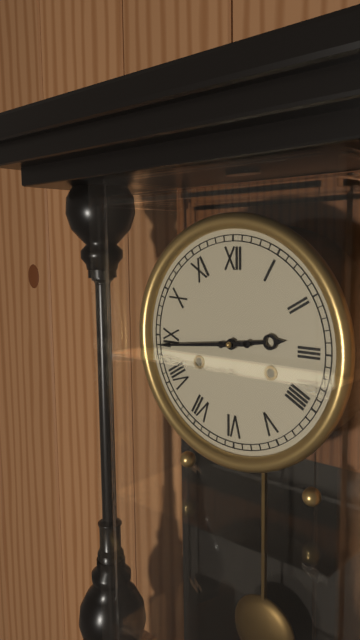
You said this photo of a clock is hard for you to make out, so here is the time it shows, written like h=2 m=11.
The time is h=2 m=44
